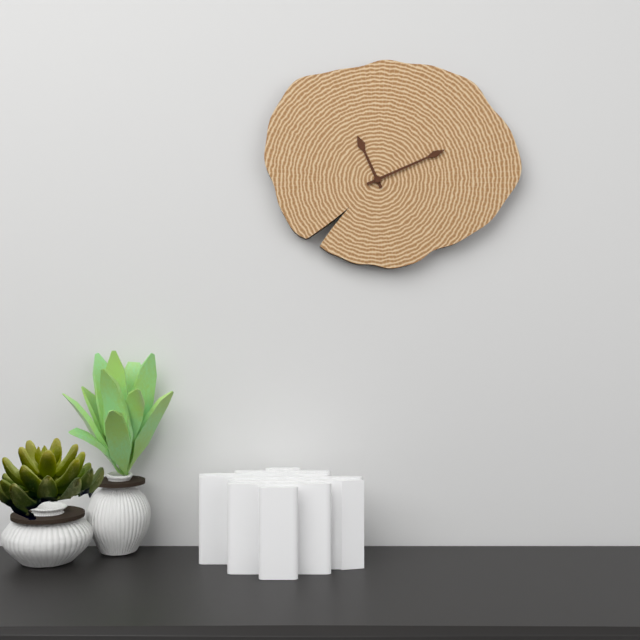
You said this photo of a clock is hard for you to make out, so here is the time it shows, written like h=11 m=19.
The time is h=11 m=11
